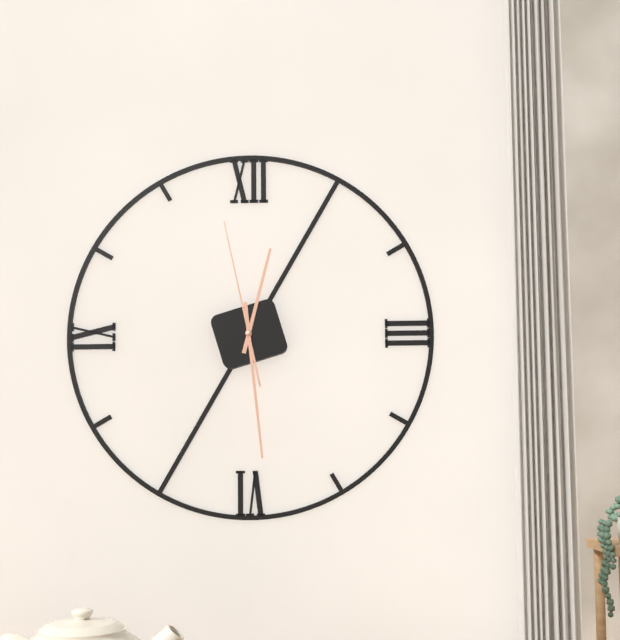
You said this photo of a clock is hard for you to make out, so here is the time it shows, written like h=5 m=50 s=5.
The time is h=12 m=29 s=58
